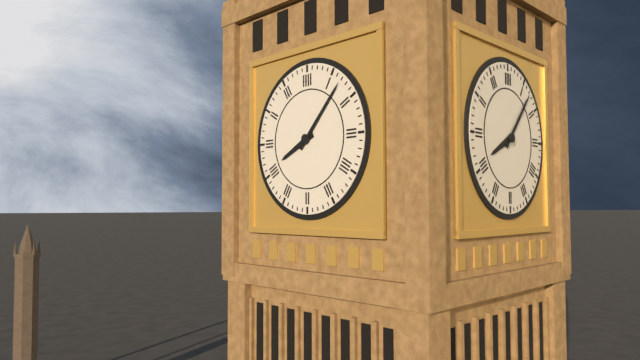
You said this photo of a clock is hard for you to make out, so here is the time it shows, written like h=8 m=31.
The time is h=8 m=7
